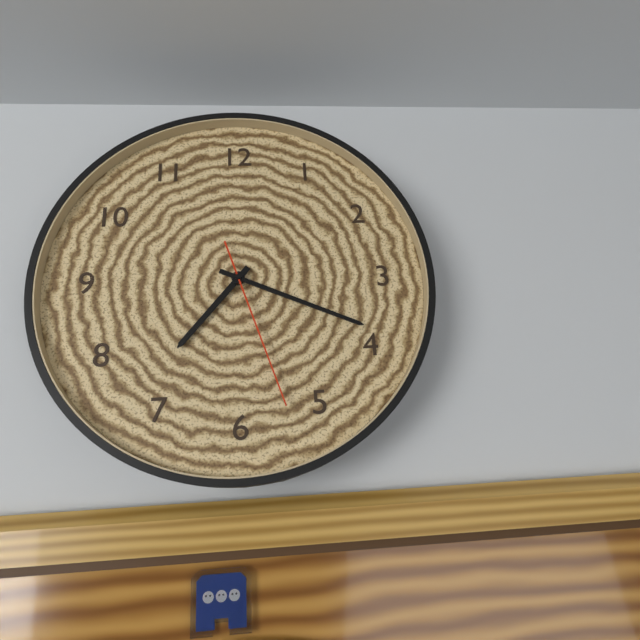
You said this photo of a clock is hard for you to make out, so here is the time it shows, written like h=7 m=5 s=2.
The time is h=7 m=19 s=27
